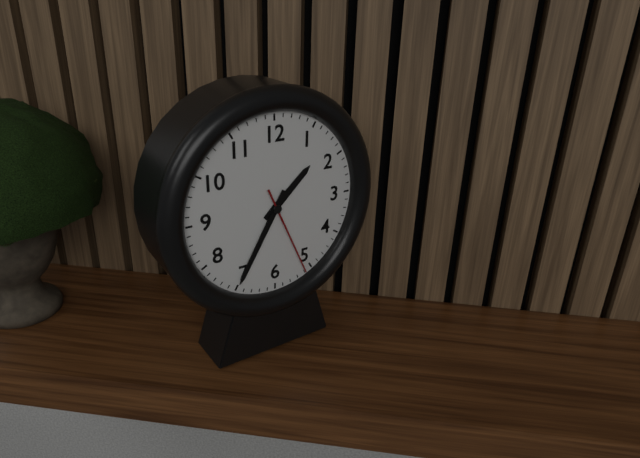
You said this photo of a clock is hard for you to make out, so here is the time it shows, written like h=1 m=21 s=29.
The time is h=1 m=35 s=26
